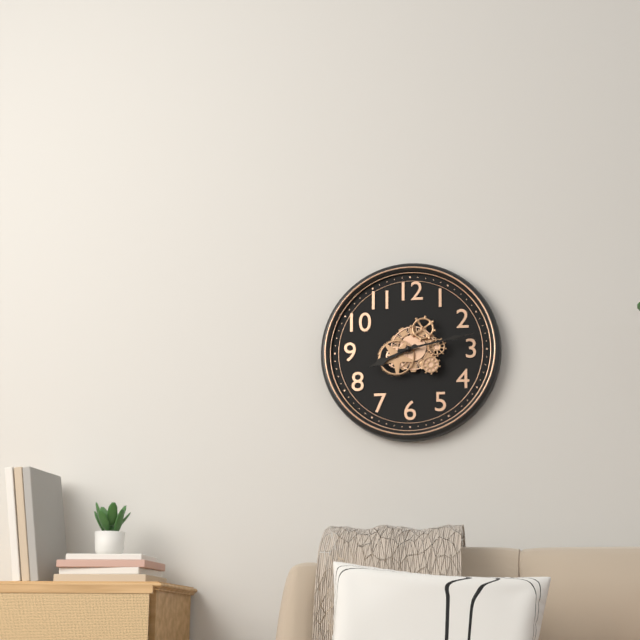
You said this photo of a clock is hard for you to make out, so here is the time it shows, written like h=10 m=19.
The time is h=8 m=13
